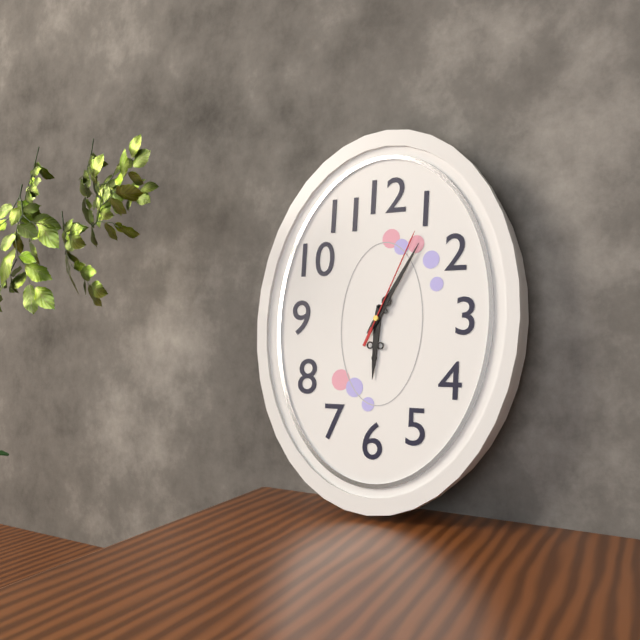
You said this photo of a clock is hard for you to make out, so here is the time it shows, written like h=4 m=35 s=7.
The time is h=6 m=5 s=4
